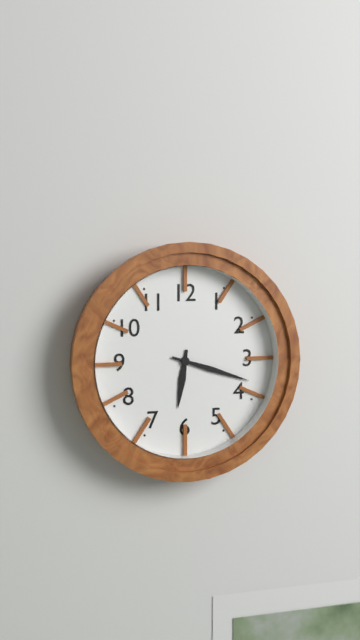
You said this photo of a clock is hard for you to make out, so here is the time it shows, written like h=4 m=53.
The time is h=6 m=18
